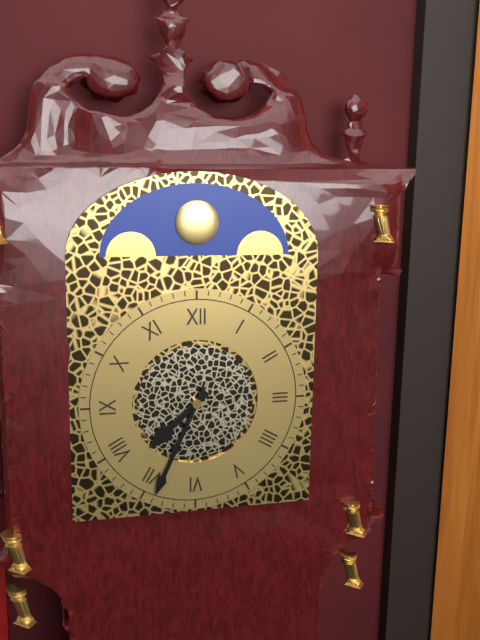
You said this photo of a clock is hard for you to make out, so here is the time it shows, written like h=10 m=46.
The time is h=7 m=34
